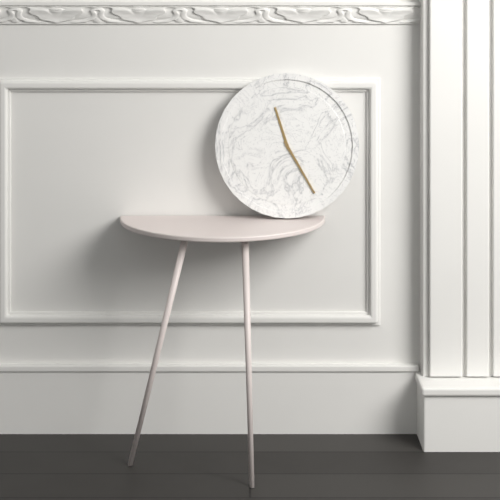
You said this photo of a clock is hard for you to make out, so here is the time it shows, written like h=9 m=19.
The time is h=11 m=25
